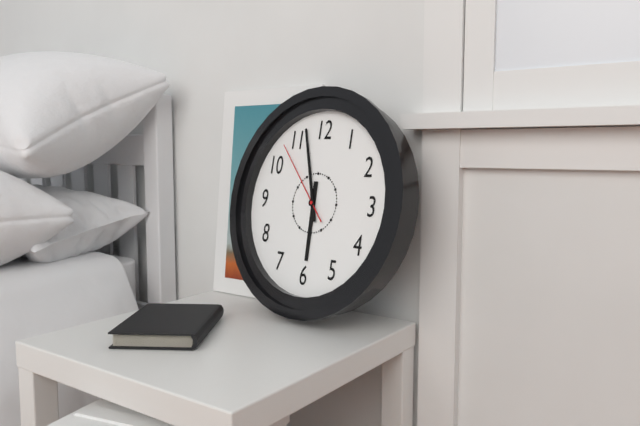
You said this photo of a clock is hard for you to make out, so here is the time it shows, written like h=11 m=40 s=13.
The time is h=5 m=57 s=53
